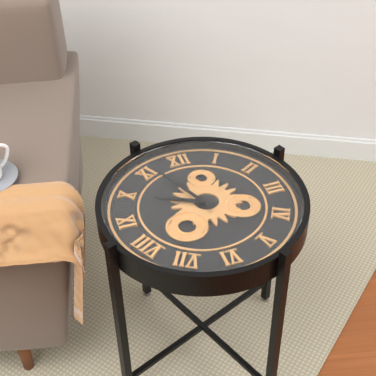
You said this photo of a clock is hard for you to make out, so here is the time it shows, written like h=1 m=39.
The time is h=9 m=56
